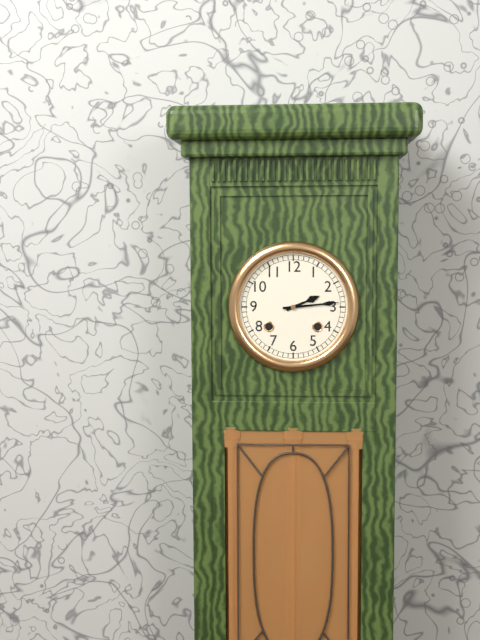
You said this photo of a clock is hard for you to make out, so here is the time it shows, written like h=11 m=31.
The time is h=2 m=14
